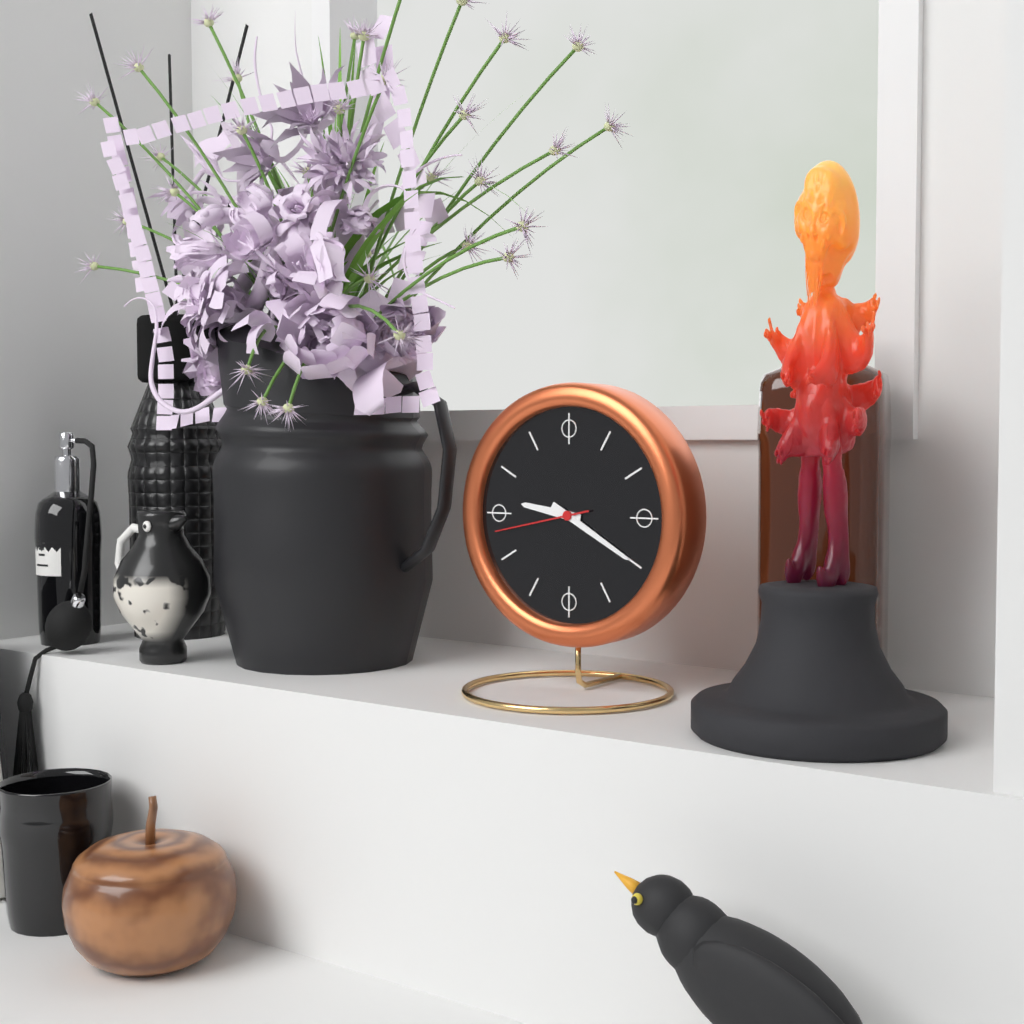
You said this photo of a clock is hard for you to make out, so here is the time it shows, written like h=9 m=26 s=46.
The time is h=9 m=20 s=43
